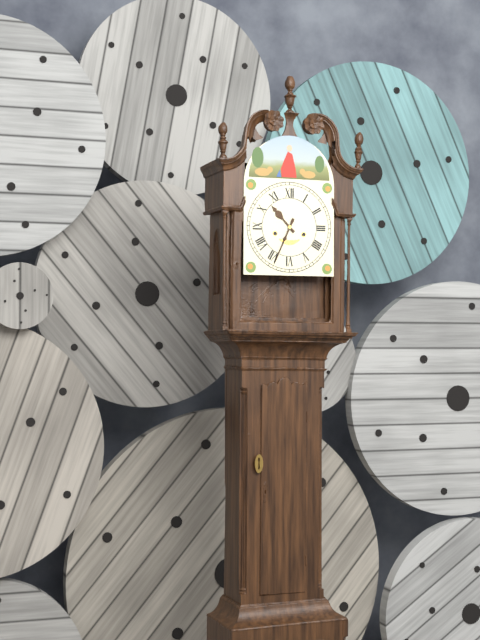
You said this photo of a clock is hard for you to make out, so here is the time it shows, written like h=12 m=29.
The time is h=10 m=34
